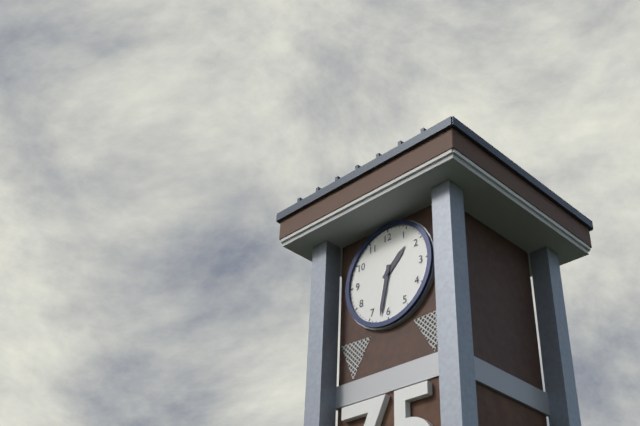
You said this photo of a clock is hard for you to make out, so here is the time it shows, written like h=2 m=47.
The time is h=1 m=32
